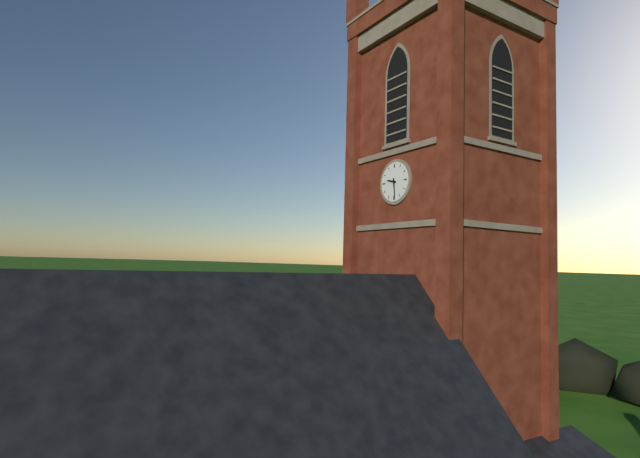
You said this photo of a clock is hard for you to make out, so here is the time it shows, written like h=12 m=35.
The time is h=9 m=29
